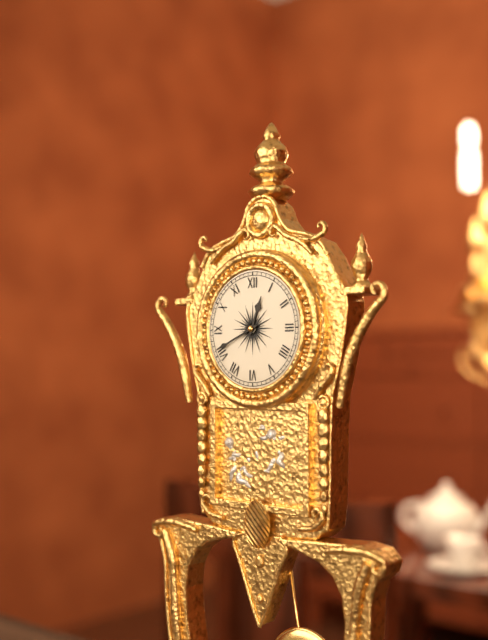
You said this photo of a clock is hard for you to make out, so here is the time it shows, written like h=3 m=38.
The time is h=12 m=41
